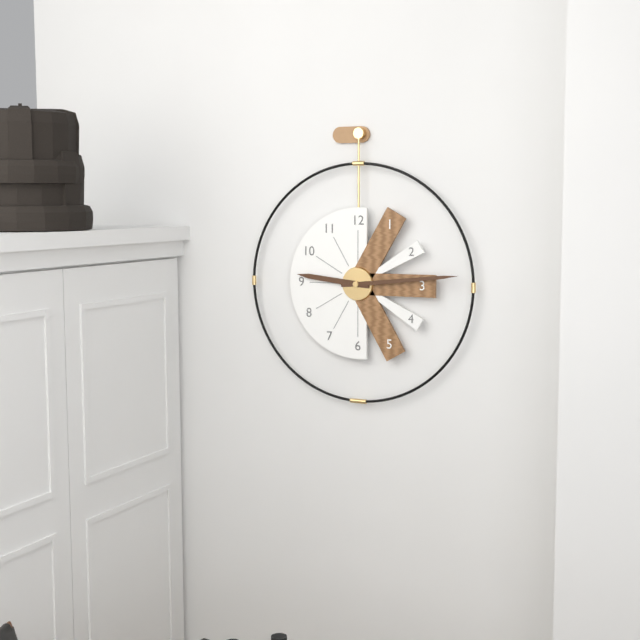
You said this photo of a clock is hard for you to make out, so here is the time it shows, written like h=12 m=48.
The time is h=9 m=14
